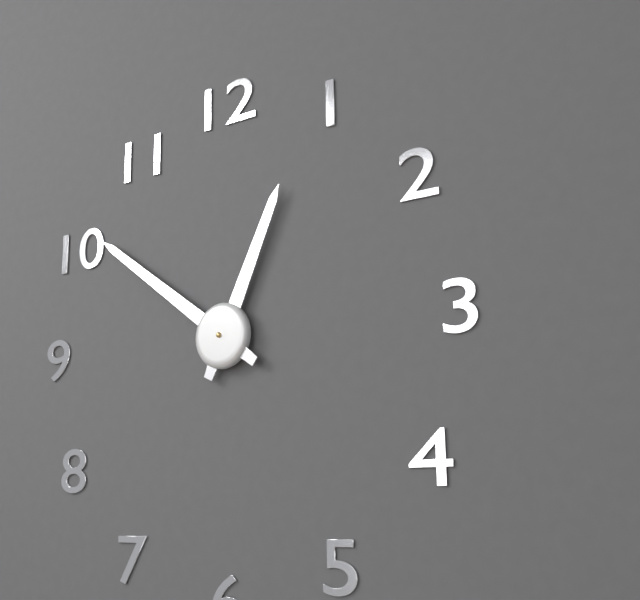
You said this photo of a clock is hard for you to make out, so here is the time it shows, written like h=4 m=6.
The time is h=12 m=51
